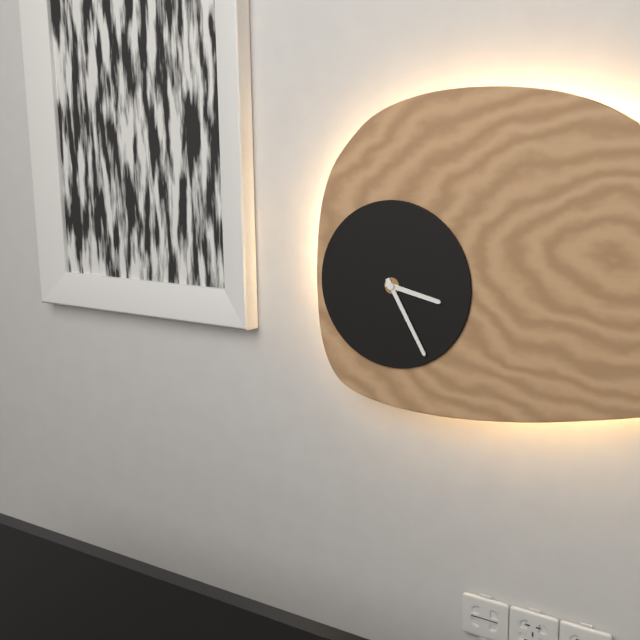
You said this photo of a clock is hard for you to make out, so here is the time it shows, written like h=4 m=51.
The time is h=3 m=25
